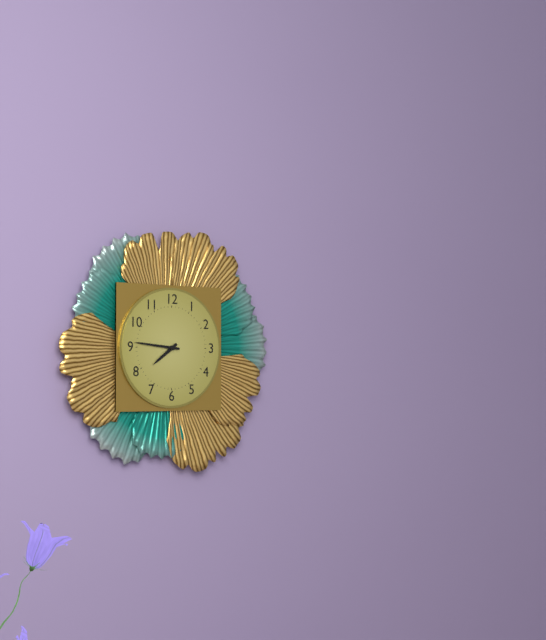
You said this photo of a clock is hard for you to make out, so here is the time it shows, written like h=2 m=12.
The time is h=7 m=46
